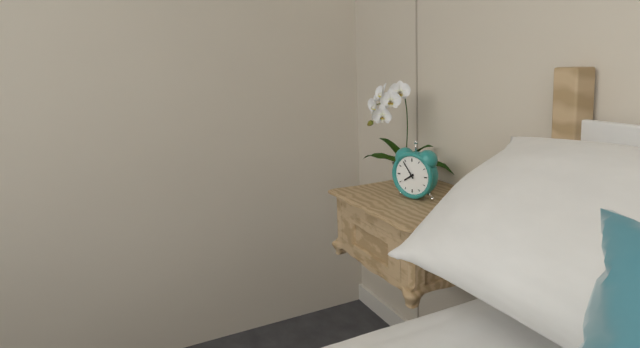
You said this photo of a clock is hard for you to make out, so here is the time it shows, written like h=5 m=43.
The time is h=7 m=54
